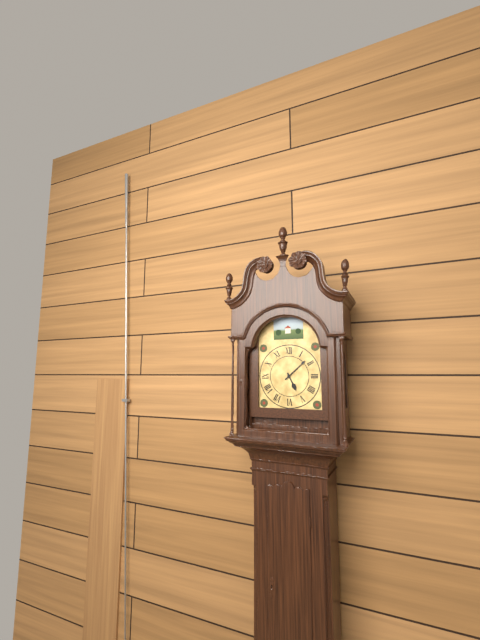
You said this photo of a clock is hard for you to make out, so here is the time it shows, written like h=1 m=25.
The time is h=5 m=8
